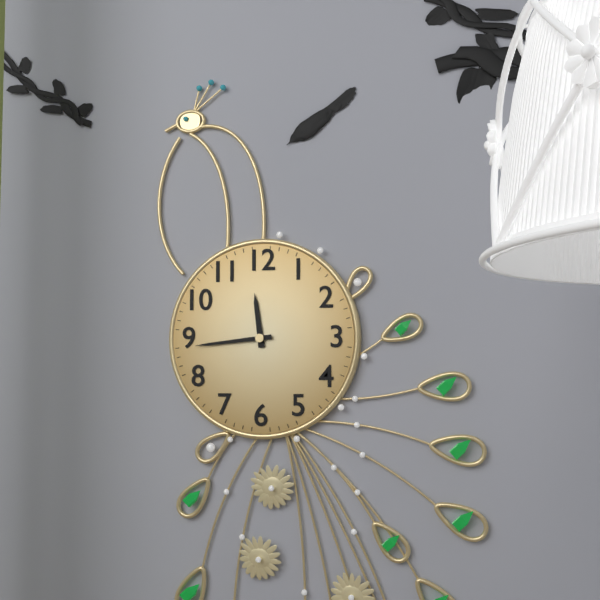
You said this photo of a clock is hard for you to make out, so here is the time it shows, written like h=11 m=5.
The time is h=11 m=44
